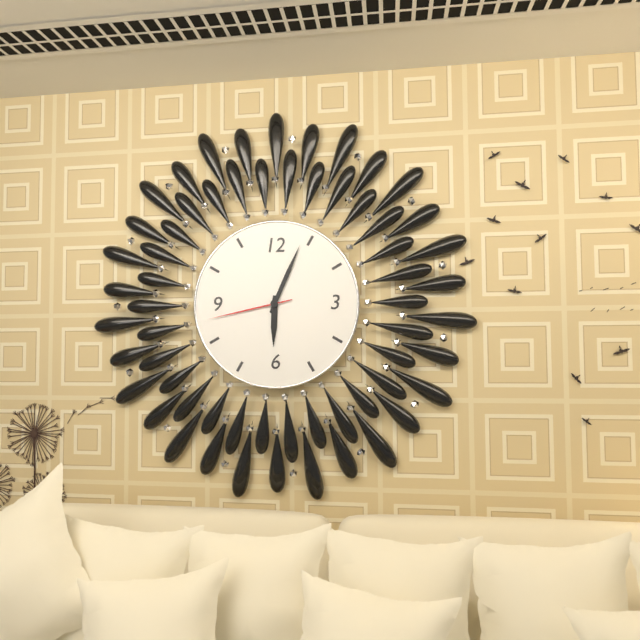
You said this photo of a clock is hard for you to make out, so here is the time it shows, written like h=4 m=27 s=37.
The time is h=6 m=4 s=43
